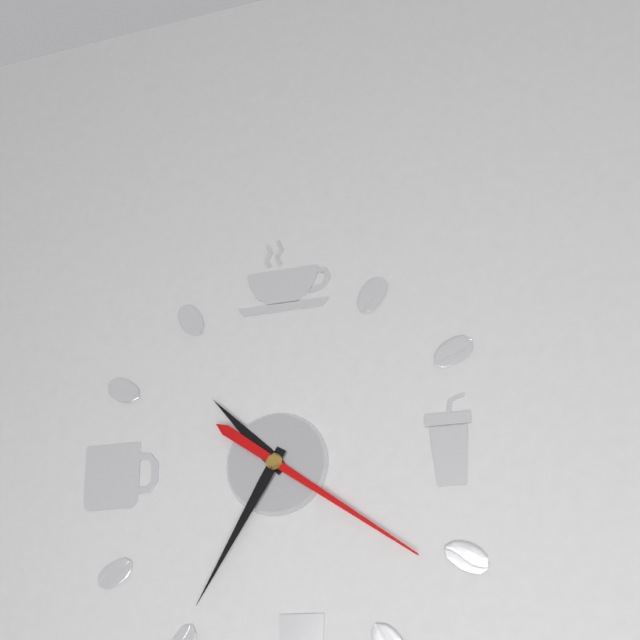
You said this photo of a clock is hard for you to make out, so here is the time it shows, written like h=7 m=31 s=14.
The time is h=10 m=35 s=21
